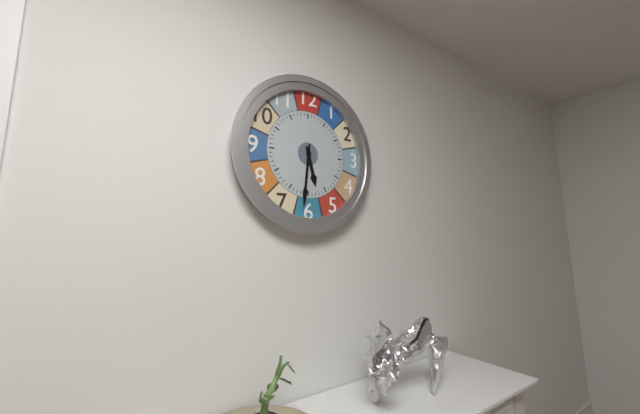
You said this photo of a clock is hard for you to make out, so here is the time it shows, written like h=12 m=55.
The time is h=5 m=31
